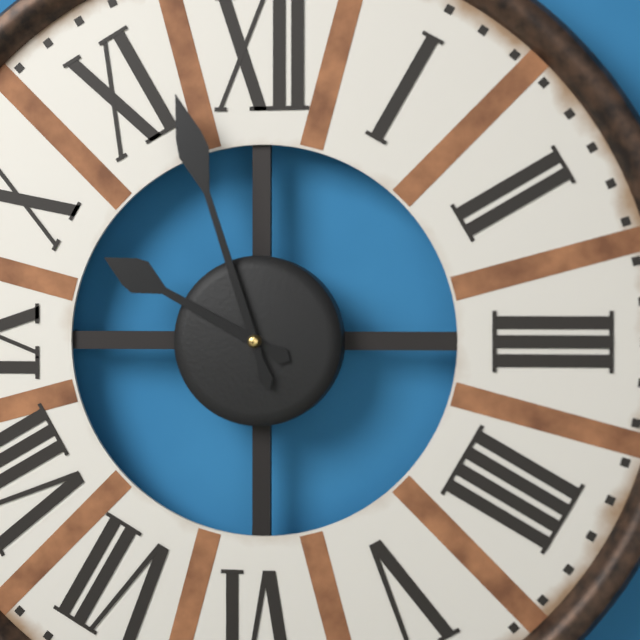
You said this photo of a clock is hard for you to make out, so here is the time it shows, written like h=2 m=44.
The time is h=9 m=57
